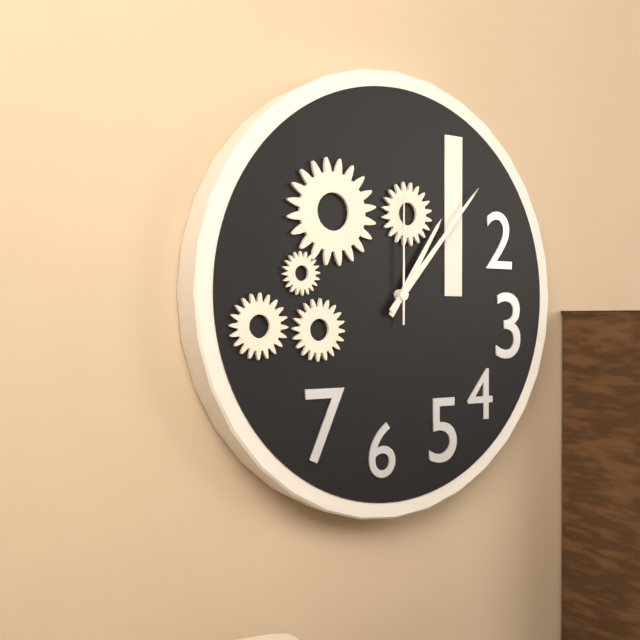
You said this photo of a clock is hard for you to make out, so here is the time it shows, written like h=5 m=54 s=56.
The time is h=1 m=7 s=0
